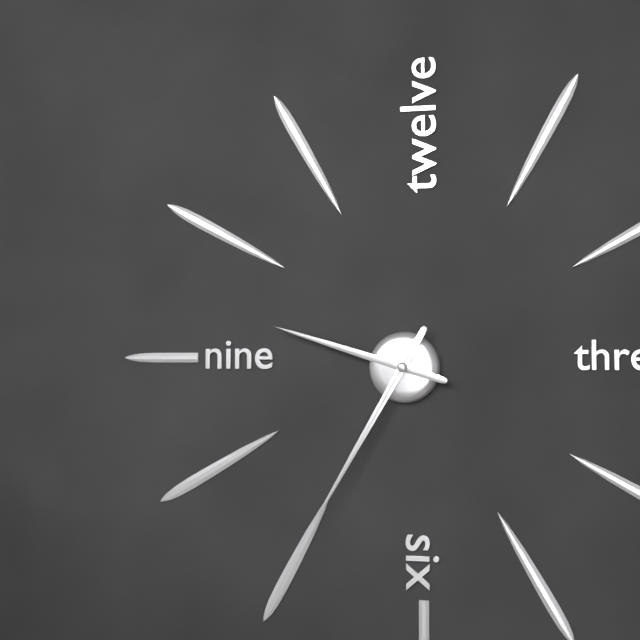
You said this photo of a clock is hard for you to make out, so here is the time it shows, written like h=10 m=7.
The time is h=9 m=35
